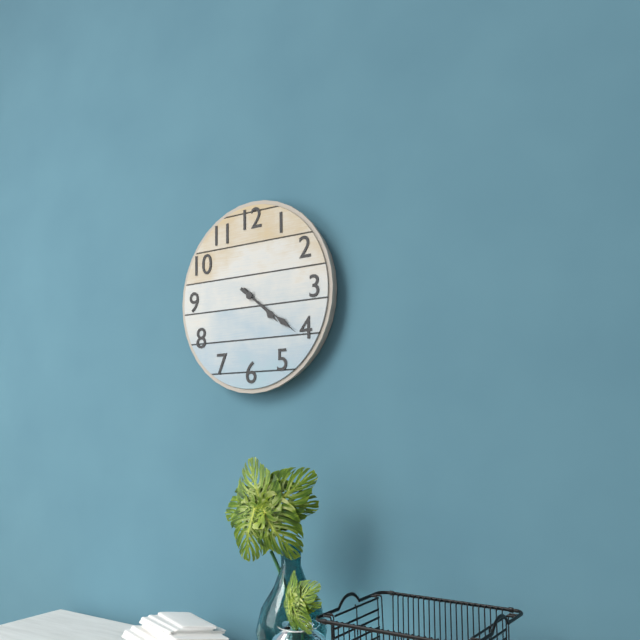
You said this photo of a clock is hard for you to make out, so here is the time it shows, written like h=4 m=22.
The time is h=4 m=21
